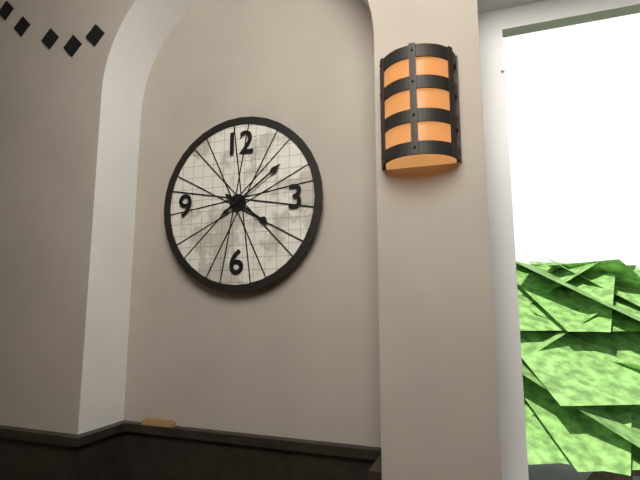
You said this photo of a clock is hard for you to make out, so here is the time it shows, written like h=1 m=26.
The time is h=4 m=9
